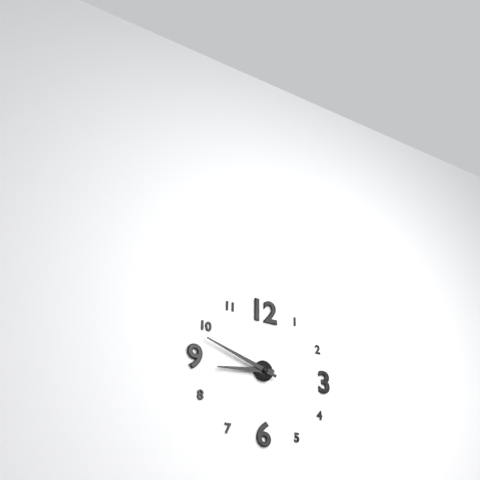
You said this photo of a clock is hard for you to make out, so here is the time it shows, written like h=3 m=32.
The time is h=8 m=48
